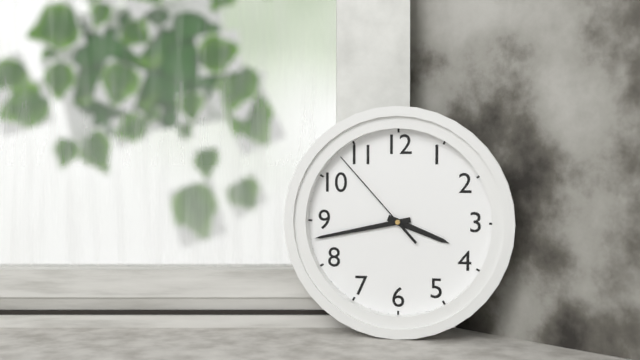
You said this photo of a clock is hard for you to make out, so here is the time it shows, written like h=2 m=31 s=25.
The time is h=3 m=43 s=53
